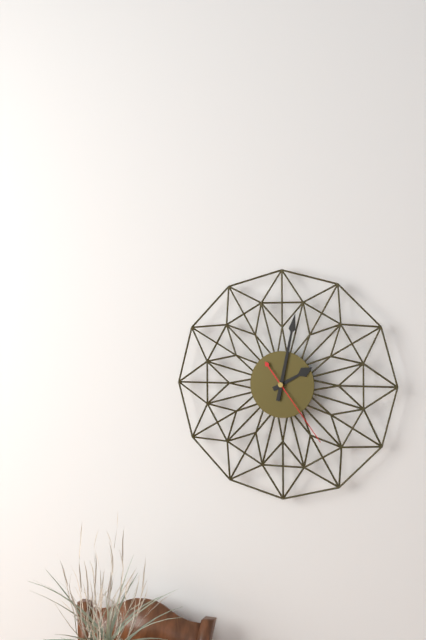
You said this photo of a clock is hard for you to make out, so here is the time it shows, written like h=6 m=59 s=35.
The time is h=2 m=2 s=24
